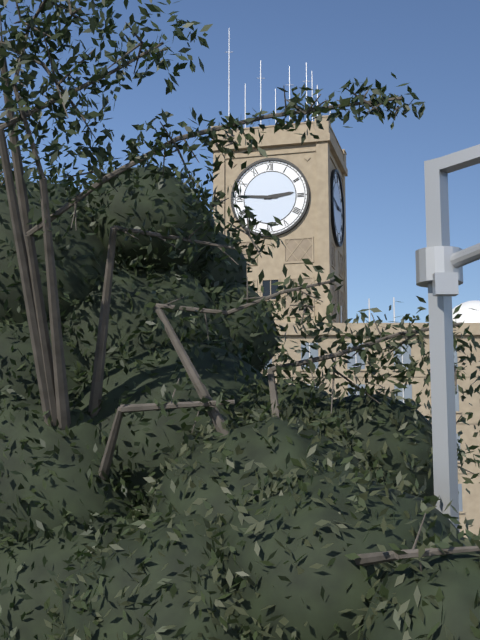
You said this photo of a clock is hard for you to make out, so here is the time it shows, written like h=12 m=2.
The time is h=2 m=46
